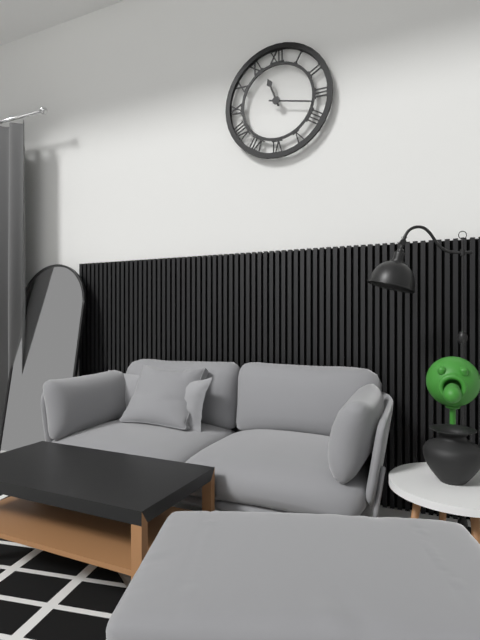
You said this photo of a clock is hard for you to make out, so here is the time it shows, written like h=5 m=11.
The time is h=11 m=17
